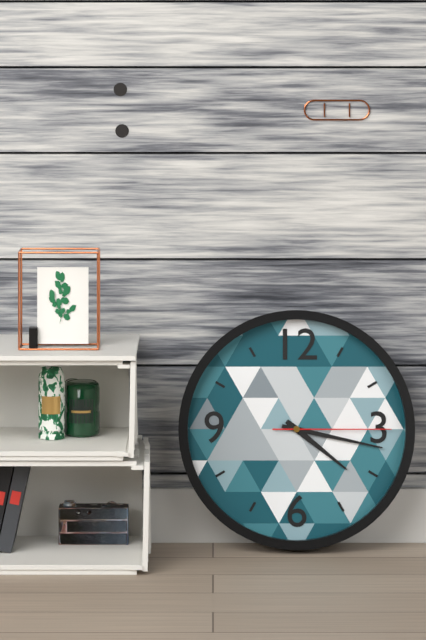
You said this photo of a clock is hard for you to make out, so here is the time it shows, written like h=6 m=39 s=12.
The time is h=4 m=17 s=15
